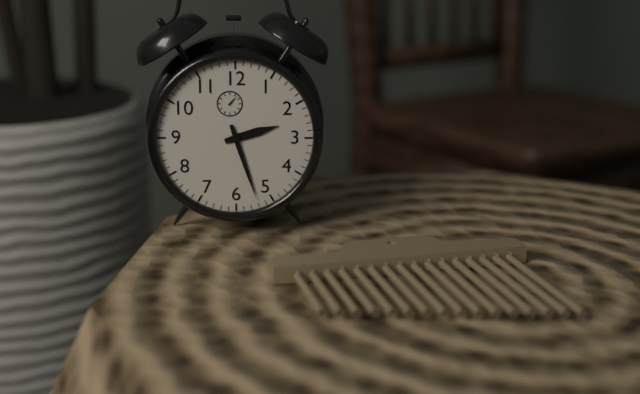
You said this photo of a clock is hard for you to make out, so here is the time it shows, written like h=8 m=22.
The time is h=2 m=27
